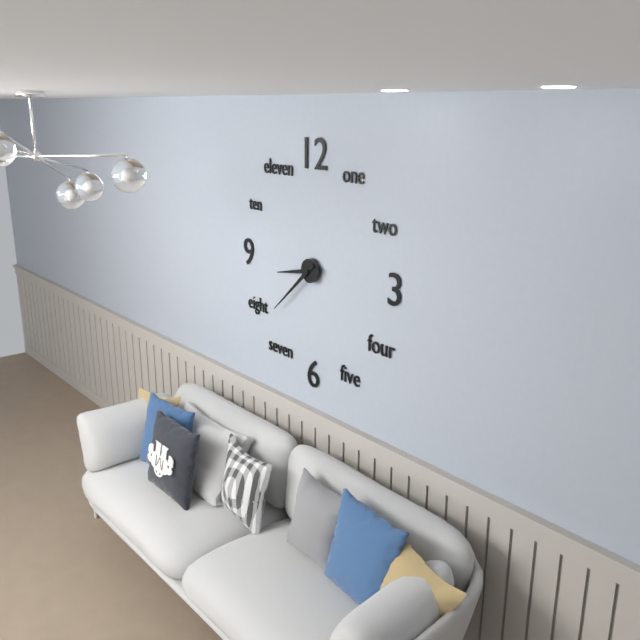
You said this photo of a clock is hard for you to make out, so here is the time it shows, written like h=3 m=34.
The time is h=8 m=38
